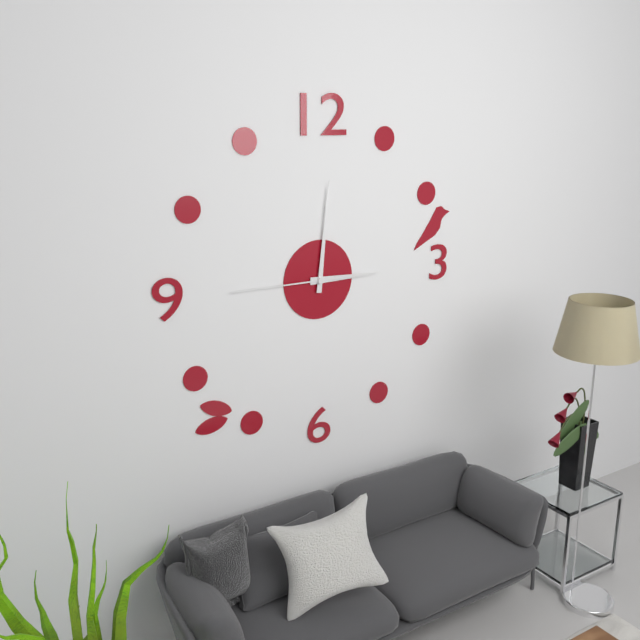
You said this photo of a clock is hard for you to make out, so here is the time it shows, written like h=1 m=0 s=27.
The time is h=3 m=1 s=45
